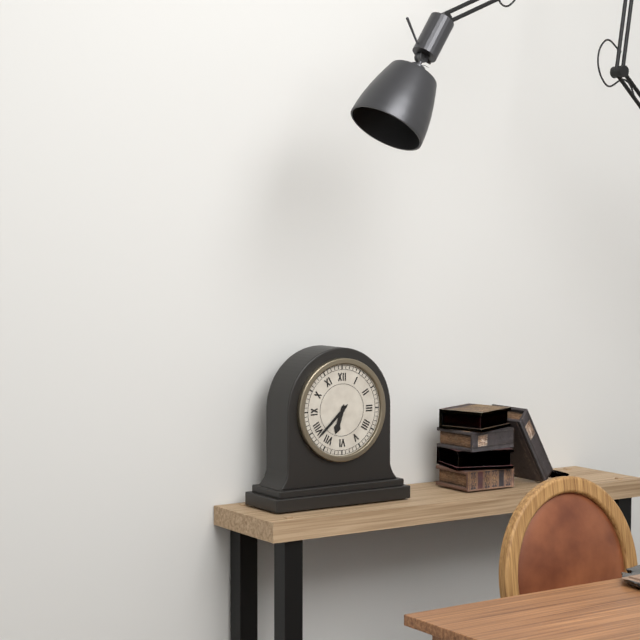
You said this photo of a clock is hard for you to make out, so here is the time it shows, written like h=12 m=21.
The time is h=6 m=38
